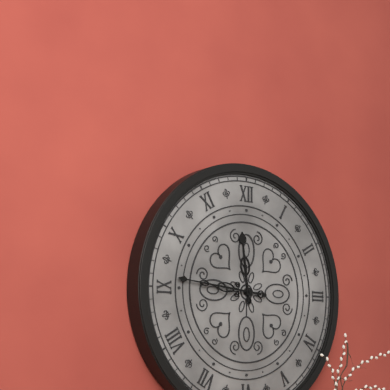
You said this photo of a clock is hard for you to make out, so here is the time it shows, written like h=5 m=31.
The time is h=11 m=46
